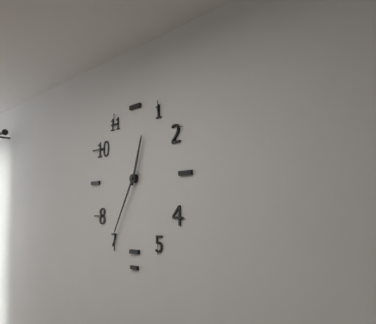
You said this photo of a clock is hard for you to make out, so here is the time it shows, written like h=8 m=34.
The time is h=12 m=35
